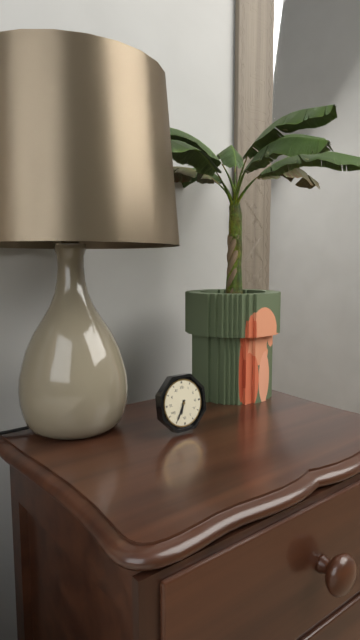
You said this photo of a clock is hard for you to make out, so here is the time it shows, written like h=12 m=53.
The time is h=6 m=35
